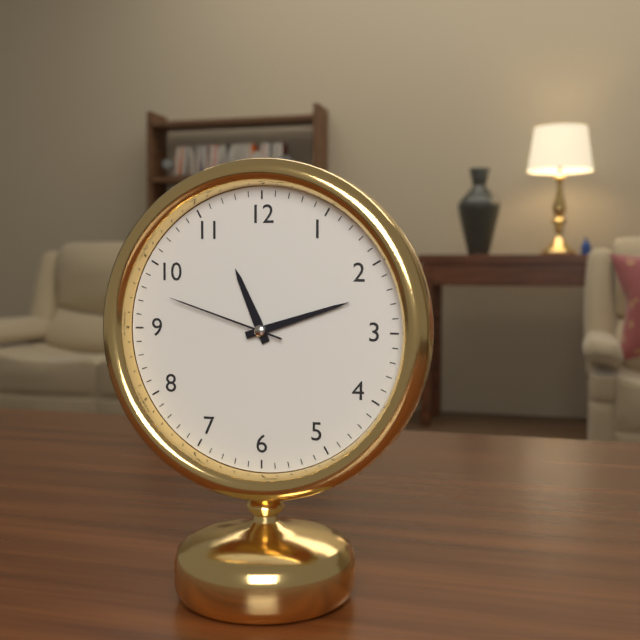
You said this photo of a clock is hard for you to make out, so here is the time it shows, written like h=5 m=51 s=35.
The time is h=11 m=12 s=48
